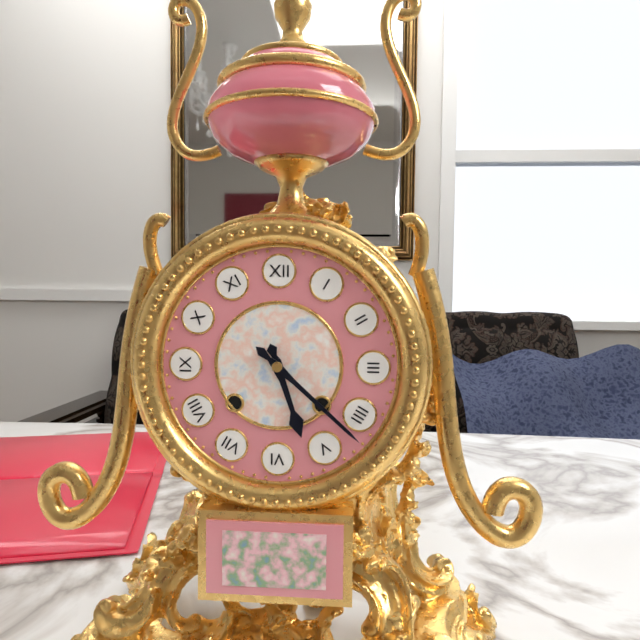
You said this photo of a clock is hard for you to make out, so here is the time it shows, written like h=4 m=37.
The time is h=5 m=22
